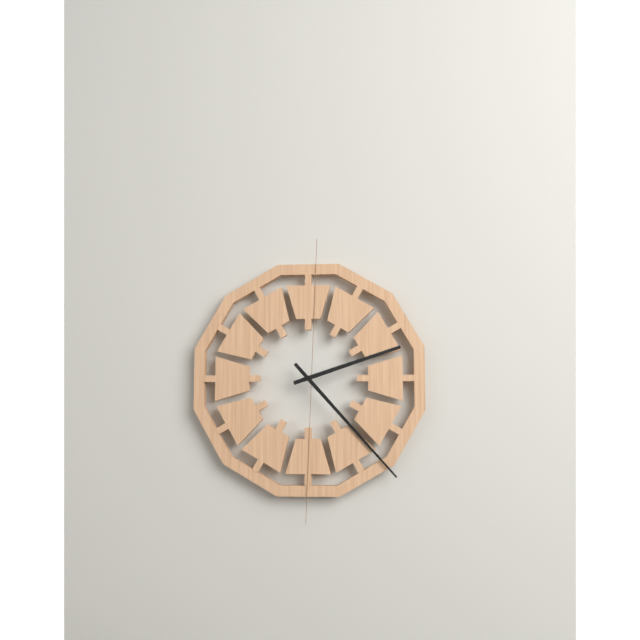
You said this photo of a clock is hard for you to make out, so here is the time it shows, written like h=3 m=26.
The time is h=2 m=23
